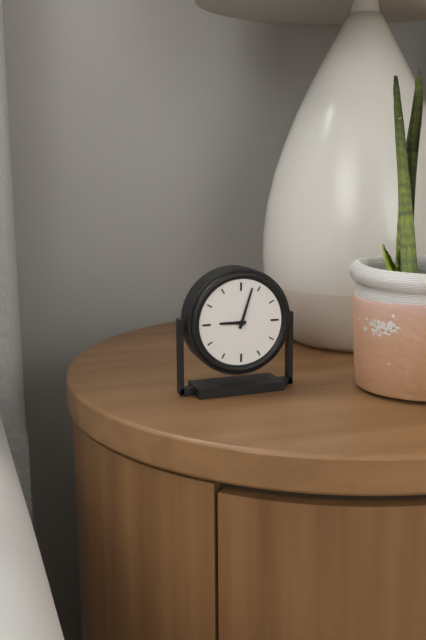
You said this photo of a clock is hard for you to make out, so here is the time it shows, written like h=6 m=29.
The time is h=9 m=3
